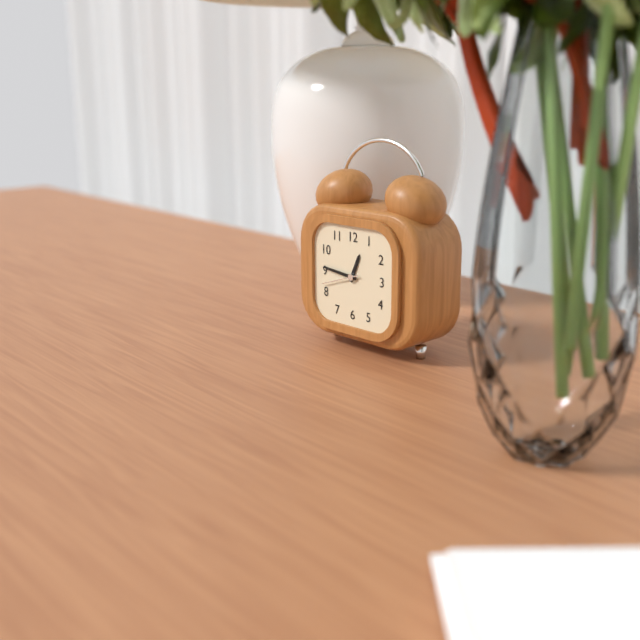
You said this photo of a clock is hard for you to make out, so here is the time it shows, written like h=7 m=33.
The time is h=12 m=46
